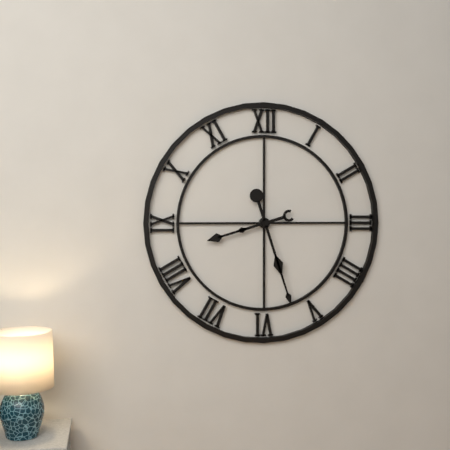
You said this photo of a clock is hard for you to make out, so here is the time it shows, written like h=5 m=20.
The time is h=8 m=27
